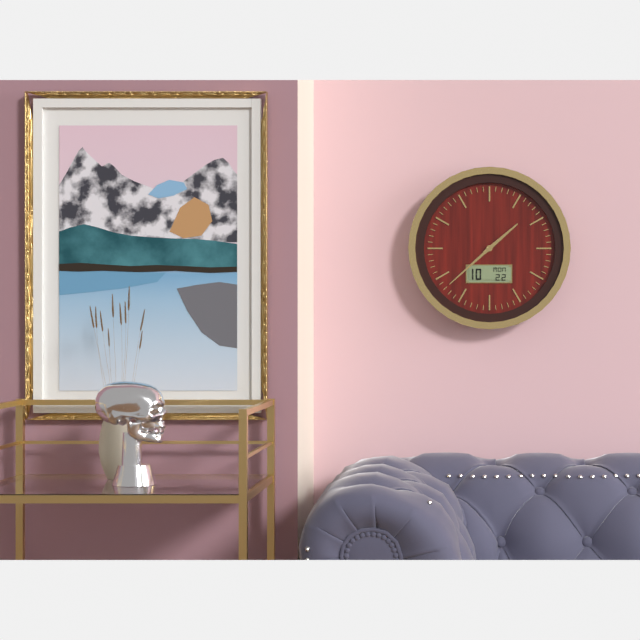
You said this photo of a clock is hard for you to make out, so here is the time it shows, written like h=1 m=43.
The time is h=1 m=38
